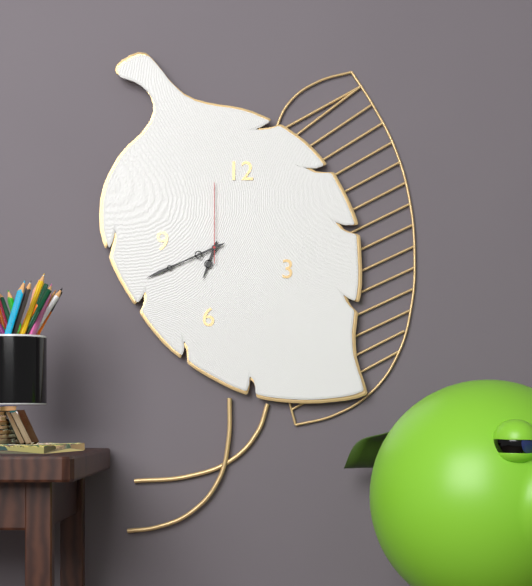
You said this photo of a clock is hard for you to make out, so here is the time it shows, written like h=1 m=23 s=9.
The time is h=6 m=41 s=0
